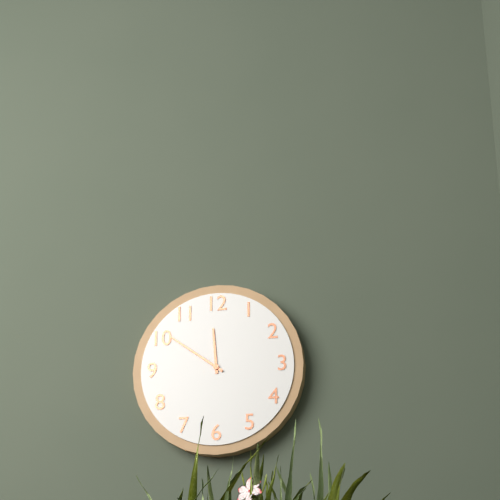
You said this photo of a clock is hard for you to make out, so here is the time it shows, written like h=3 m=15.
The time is h=11 m=51
